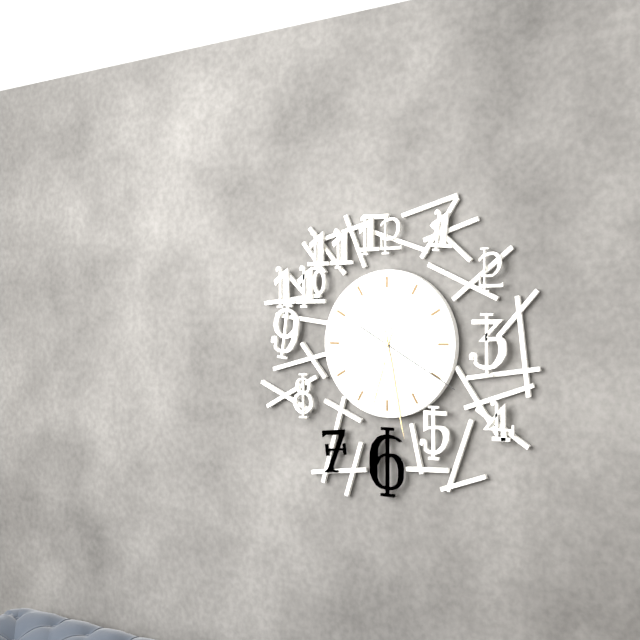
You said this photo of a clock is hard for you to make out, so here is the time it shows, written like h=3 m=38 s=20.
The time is h=6 m=28 s=20
